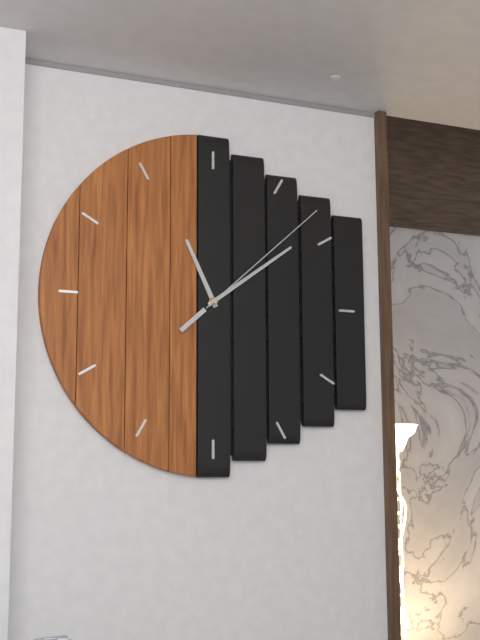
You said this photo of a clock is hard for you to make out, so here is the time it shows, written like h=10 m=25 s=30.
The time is h=11 m=9 s=8
